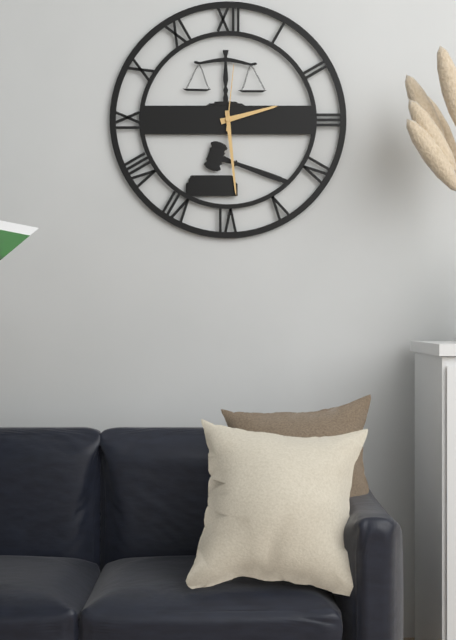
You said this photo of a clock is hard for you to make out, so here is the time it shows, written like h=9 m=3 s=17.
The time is h=2 m=29 s=1
